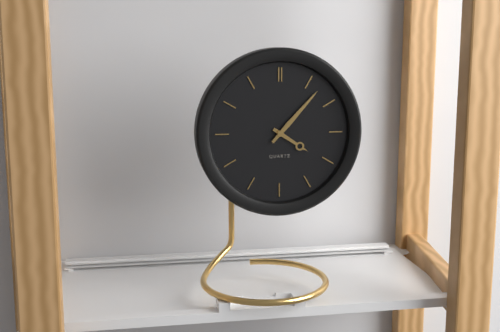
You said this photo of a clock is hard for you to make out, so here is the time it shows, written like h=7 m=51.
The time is h=4 m=7
